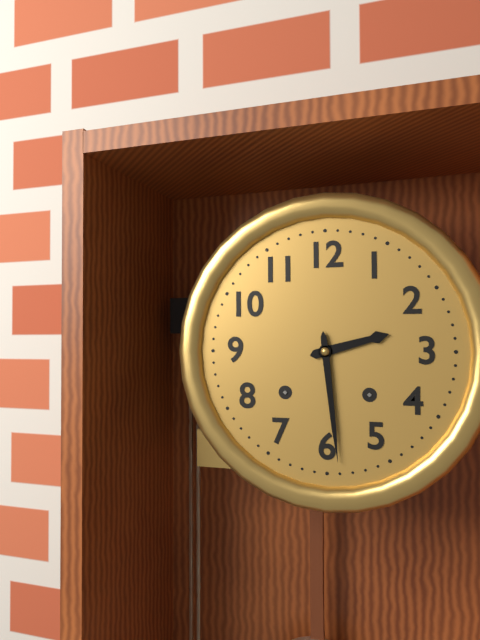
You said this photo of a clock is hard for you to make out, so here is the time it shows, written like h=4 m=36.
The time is h=2 m=29
